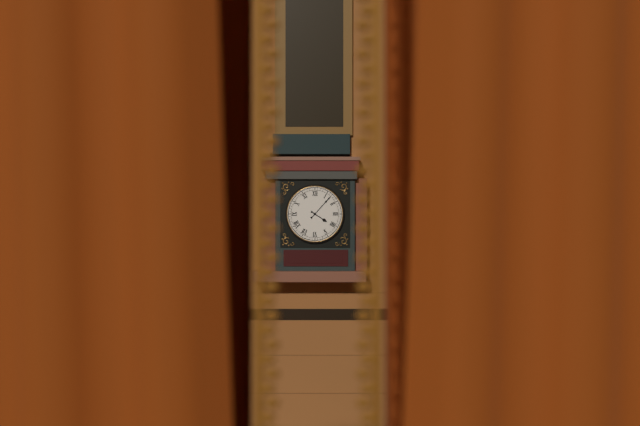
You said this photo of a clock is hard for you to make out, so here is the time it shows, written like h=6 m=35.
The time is h=4 m=7
